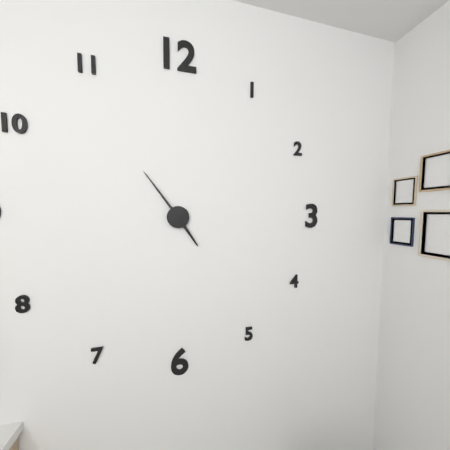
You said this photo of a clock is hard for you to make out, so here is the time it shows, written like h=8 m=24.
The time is h=4 m=54
